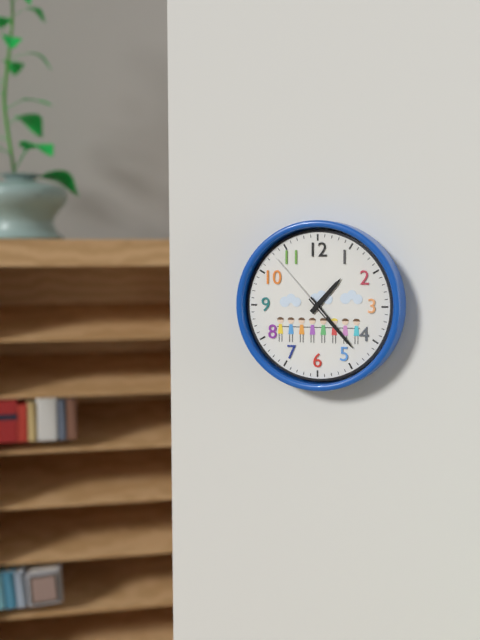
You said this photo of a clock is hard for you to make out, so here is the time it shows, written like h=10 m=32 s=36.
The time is h=1 m=23 s=53
